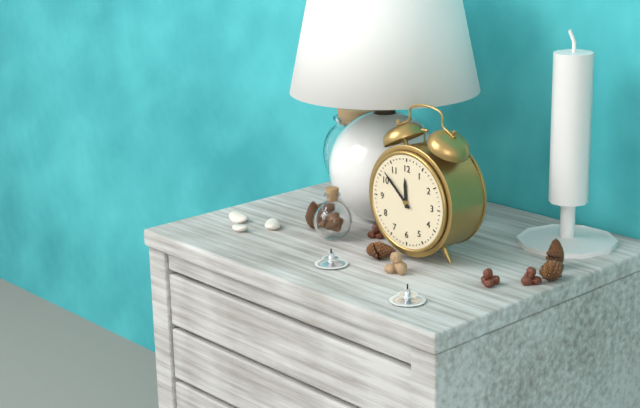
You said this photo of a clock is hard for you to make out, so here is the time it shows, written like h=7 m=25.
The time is h=11 m=52
